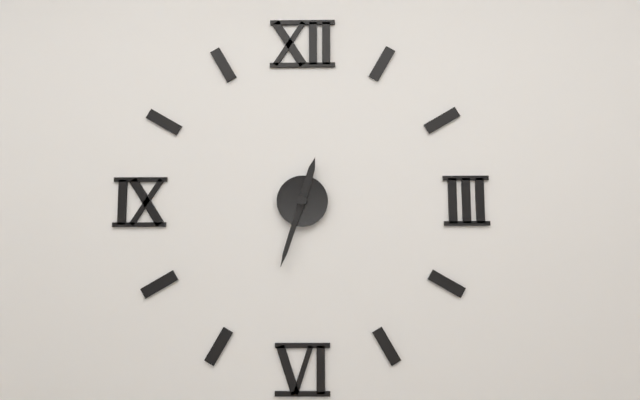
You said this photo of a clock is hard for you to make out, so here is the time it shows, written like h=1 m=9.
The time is h=12 m=33
